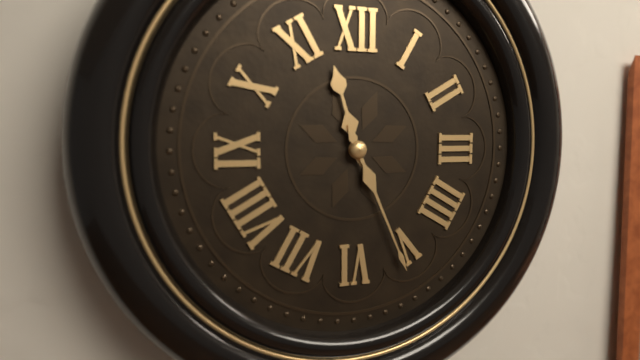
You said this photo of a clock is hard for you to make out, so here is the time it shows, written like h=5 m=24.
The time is h=11 m=26
